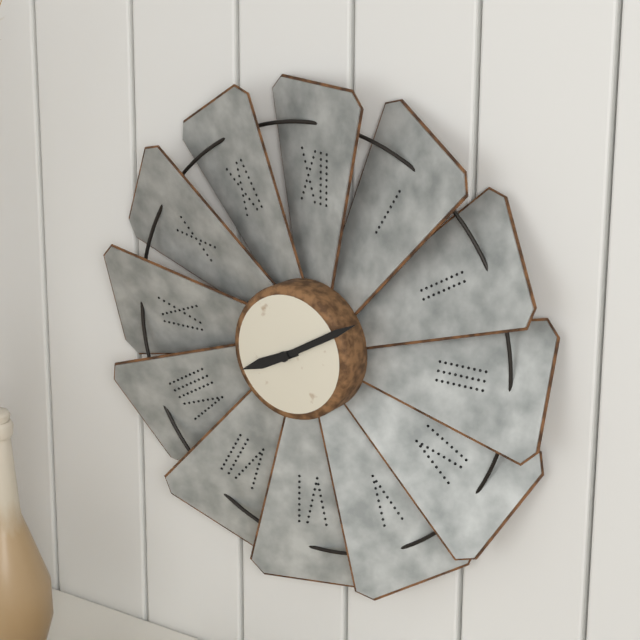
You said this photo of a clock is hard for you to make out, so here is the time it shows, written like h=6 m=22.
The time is h=8 m=10
